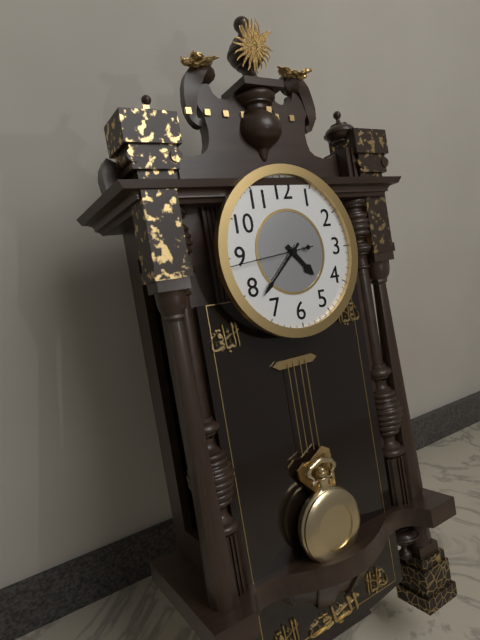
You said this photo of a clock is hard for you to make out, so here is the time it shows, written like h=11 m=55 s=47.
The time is h=4 m=38 s=44
